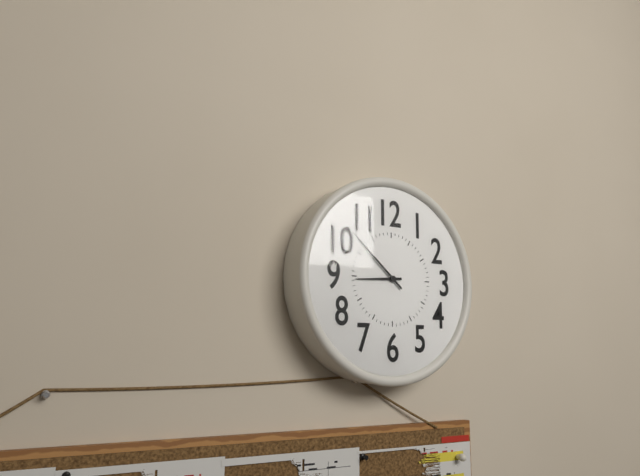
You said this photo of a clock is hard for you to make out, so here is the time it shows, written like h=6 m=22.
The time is h=8 m=52
